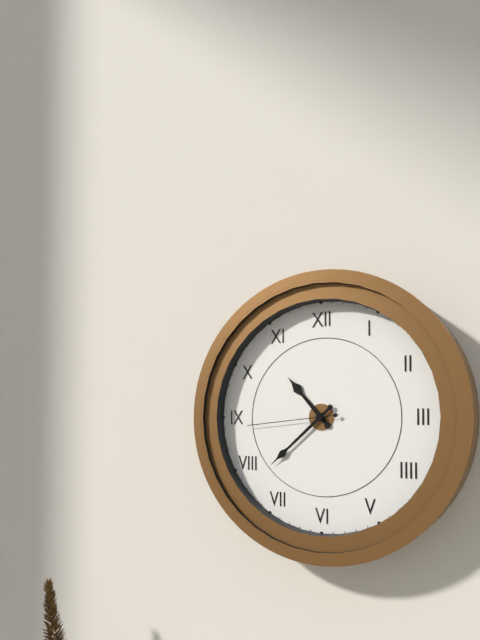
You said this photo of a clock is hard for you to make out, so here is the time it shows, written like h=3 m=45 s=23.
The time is h=10 m=38 s=44
